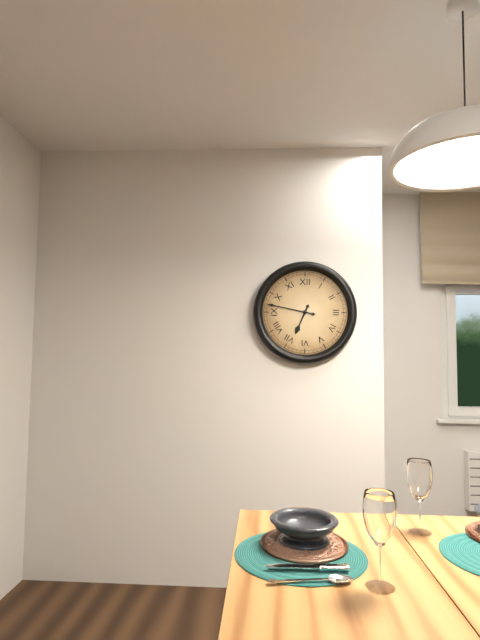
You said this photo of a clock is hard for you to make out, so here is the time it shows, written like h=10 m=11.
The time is h=6 m=47
